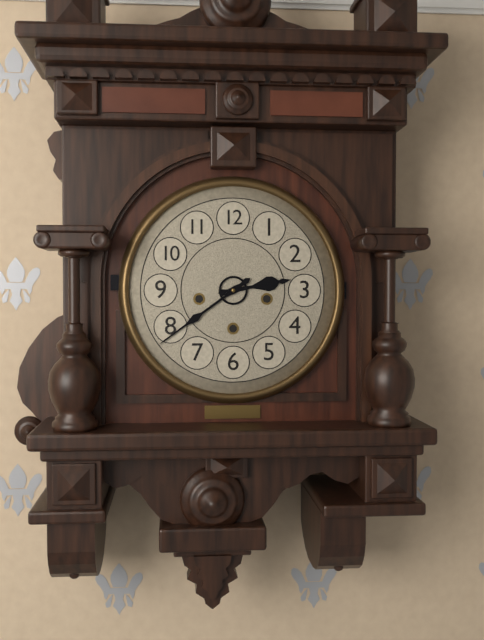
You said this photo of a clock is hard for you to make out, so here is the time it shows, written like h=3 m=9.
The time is h=2 m=39
